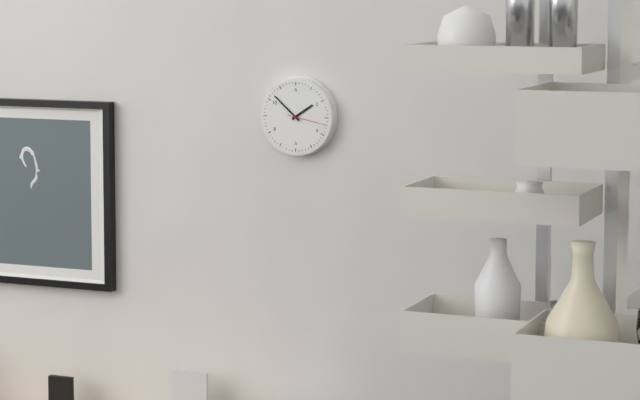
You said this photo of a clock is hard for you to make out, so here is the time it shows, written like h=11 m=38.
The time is h=1 m=52
